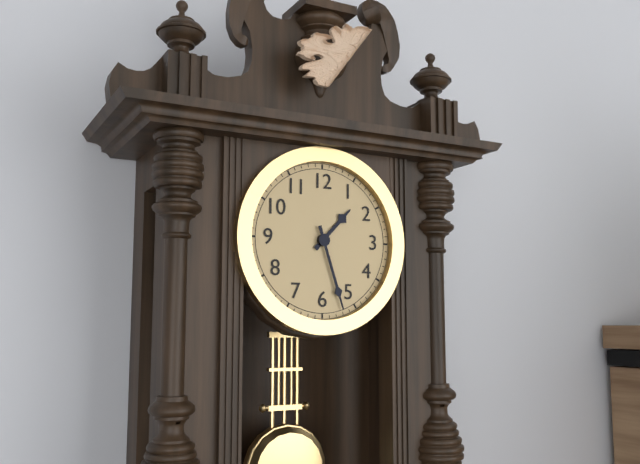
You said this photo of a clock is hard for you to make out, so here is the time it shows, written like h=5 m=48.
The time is h=1 m=27
